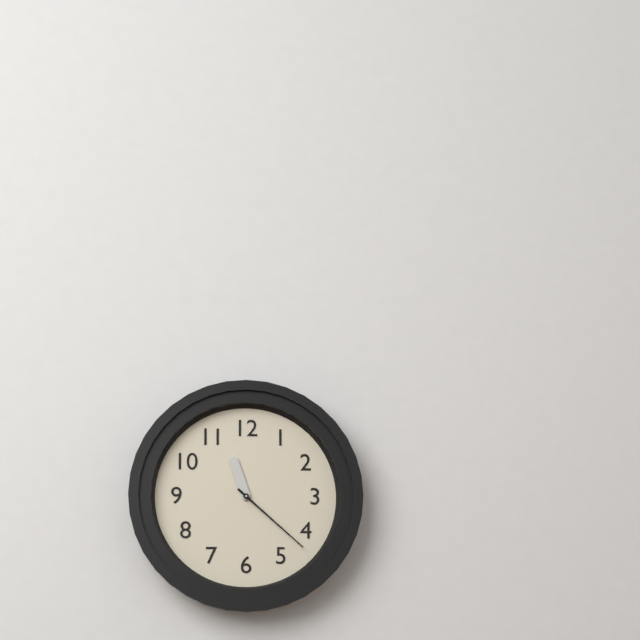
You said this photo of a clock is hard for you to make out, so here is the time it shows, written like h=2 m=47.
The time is h=11 m=22
